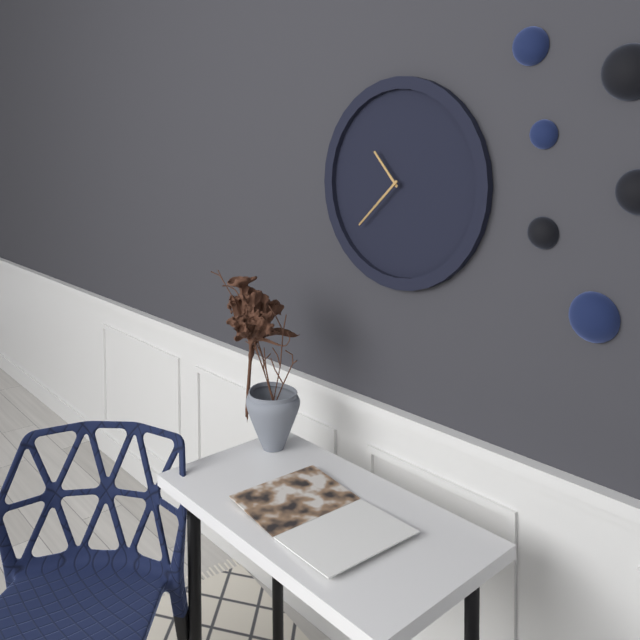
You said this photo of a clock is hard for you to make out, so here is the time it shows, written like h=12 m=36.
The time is h=10 m=38
